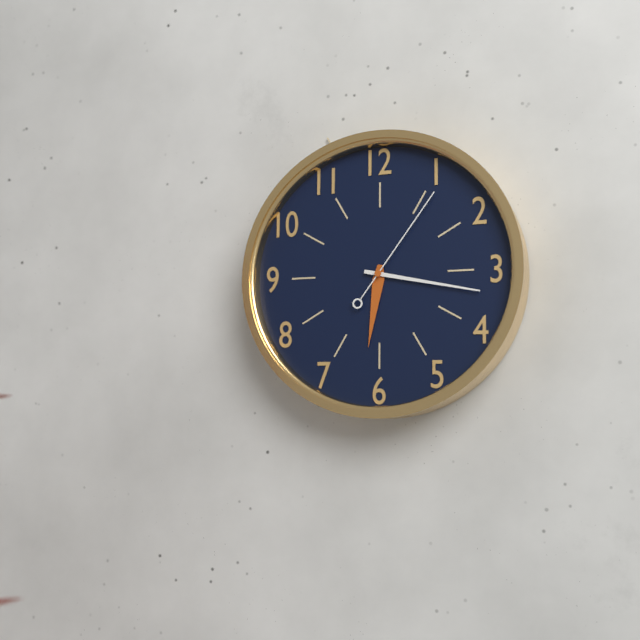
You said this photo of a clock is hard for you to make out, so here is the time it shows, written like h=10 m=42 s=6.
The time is h=6 m=17 s=6
